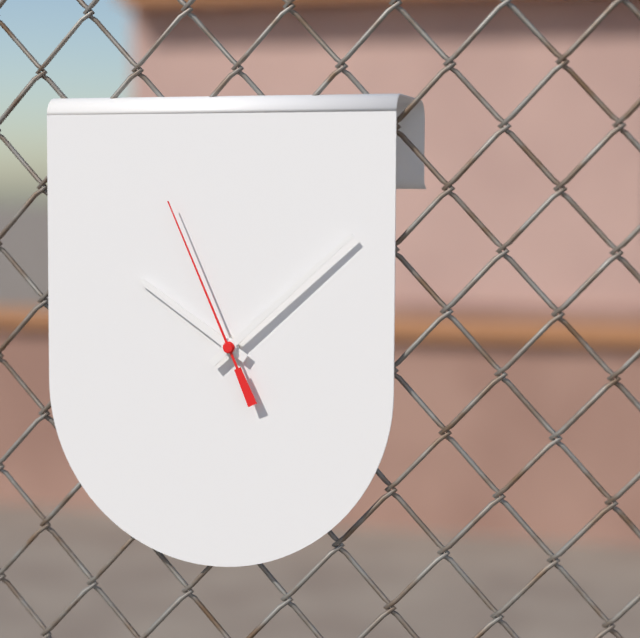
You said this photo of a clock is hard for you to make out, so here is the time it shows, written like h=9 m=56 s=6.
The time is h=10 m=8 s=56
